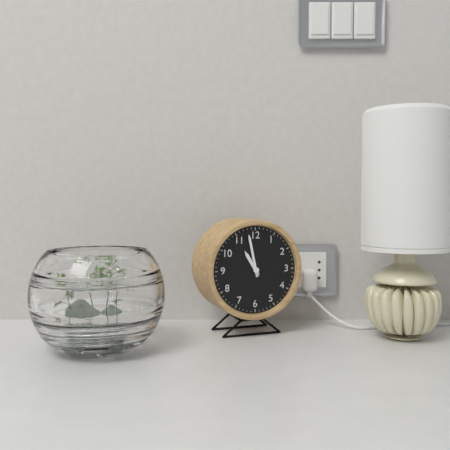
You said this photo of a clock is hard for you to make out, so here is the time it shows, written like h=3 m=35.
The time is h=10 m=58
